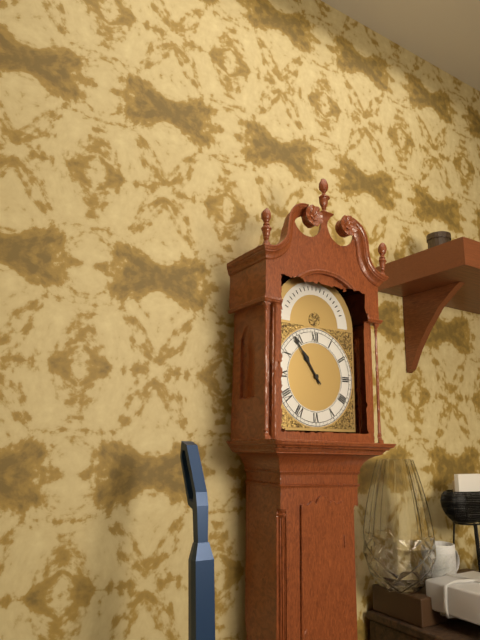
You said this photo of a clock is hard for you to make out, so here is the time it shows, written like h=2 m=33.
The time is h=10 m=54
